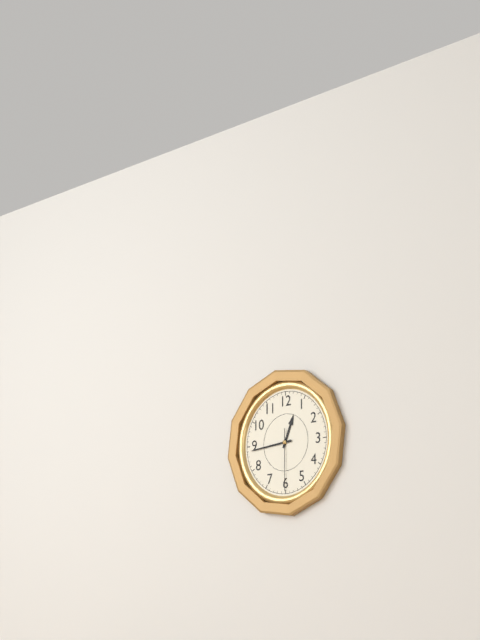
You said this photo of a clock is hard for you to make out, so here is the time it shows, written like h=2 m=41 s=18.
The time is h=12 m=44 s=30
